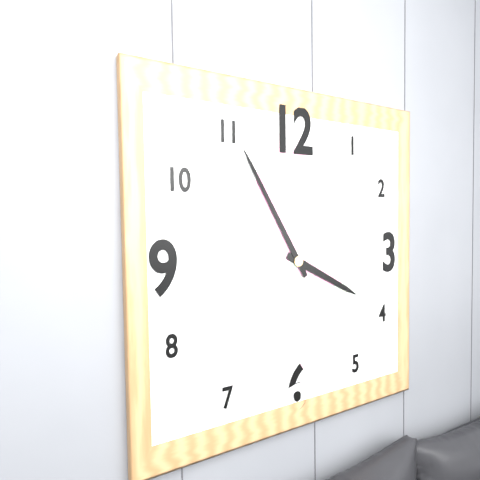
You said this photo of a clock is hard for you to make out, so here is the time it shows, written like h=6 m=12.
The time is h=3 m=55
